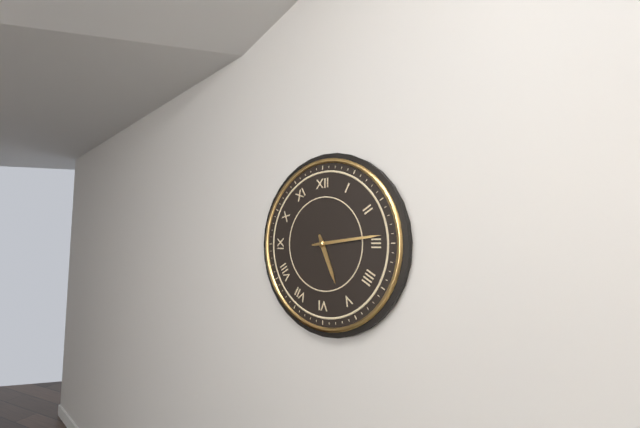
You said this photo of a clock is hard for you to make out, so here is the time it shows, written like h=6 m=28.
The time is h=5 m=14
